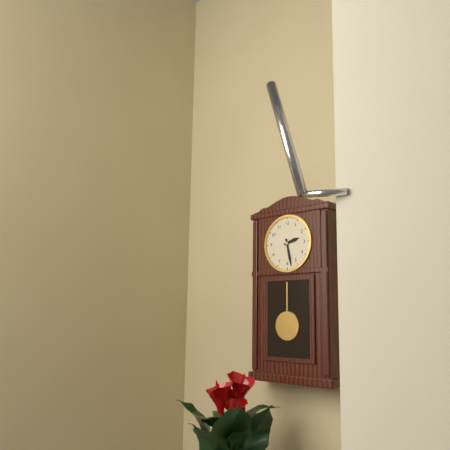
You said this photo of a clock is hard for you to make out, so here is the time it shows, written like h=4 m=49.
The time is h=2 m=28
